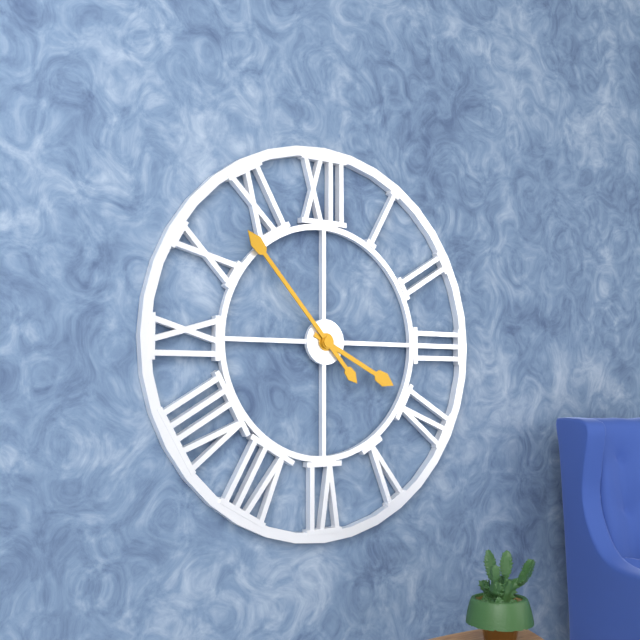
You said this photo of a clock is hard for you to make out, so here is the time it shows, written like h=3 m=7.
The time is h=3 m=53
